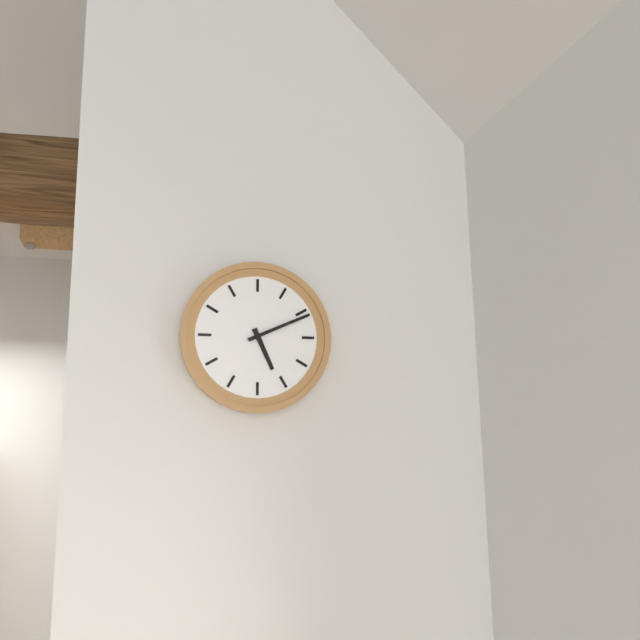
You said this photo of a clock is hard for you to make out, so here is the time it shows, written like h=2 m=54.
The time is h=5 m=11
